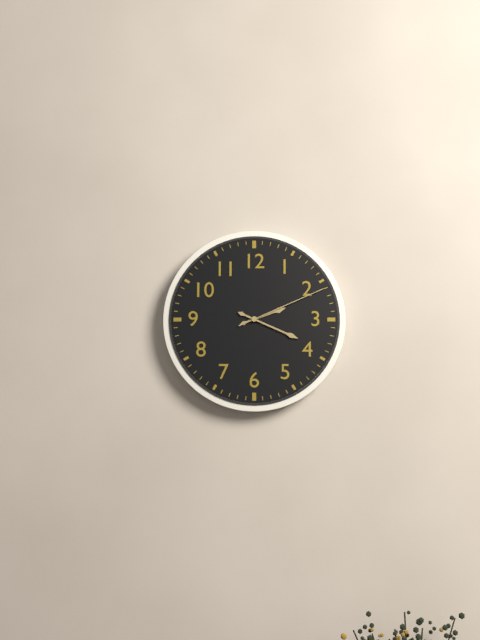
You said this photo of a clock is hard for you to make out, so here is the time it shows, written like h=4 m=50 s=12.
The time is h=2 m=19 s=11
